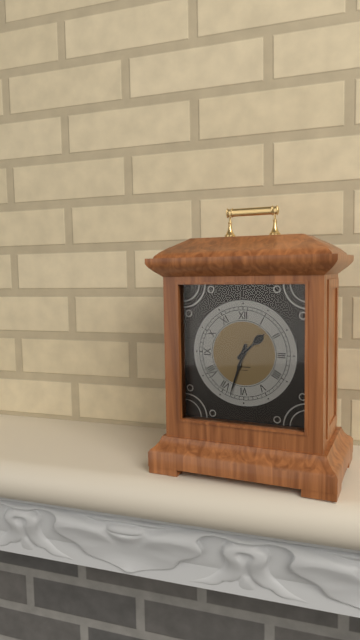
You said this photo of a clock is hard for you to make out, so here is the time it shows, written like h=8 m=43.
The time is h=1 m=33
